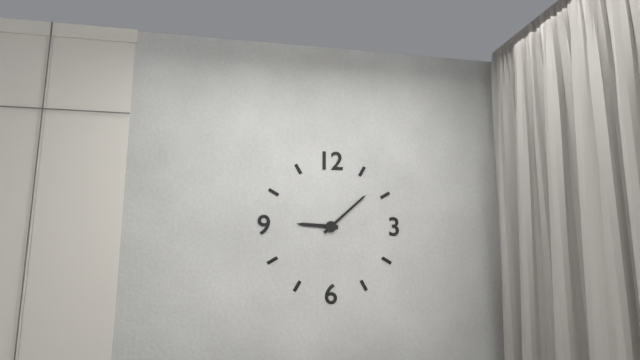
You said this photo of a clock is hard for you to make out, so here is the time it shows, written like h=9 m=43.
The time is h=9 m=8
